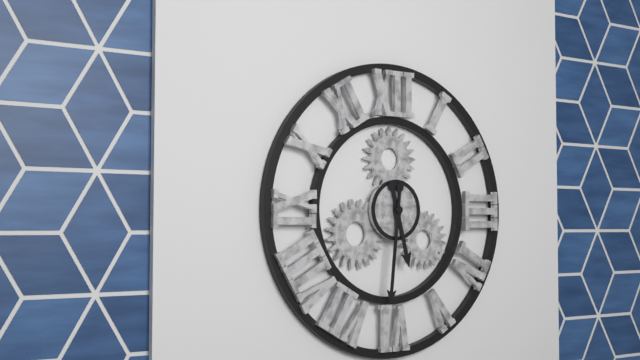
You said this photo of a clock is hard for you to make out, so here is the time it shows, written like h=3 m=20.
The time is h=5 m=31
